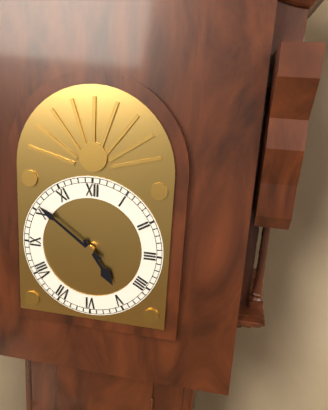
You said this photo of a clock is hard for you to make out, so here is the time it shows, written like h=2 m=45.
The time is h=4 m=51
